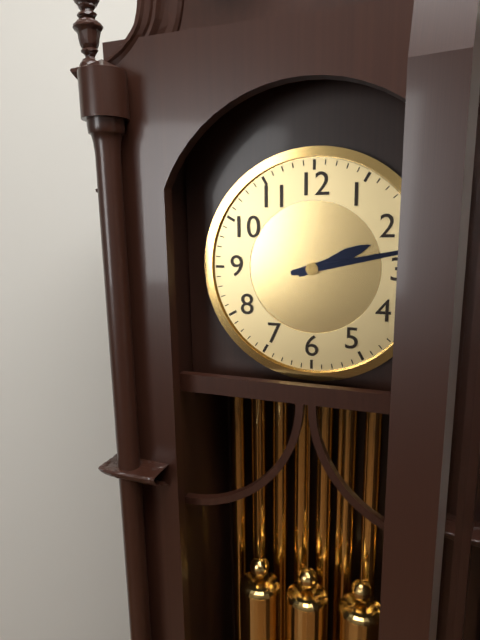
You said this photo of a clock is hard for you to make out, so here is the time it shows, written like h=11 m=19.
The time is h=2 m=13
